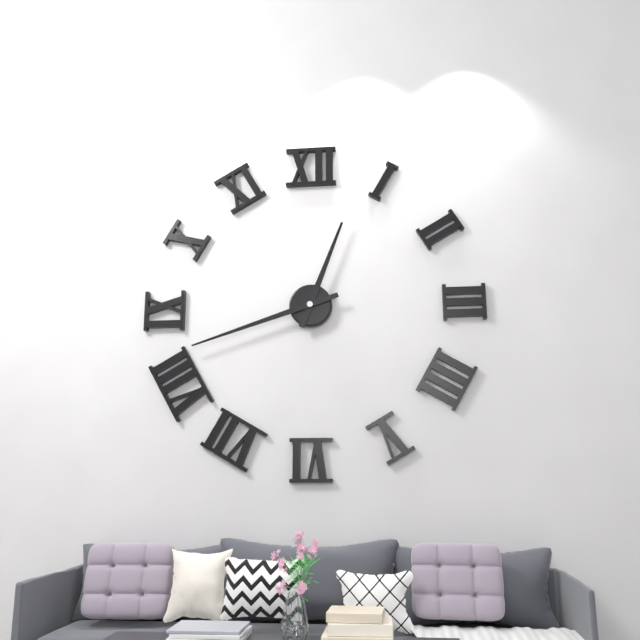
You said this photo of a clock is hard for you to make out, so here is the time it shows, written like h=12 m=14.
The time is h=12 m=42
